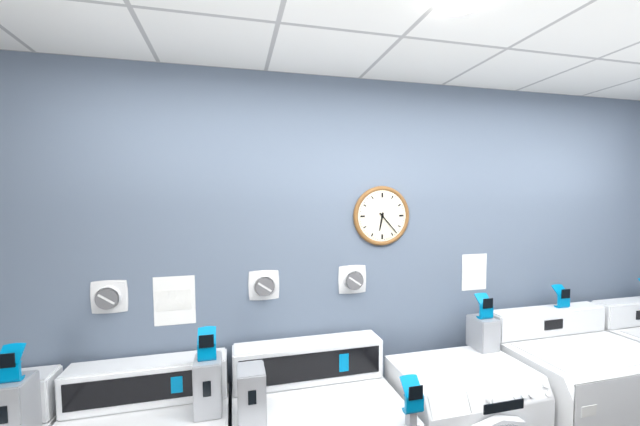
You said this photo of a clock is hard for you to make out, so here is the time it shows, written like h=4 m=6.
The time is h=6 m=23
